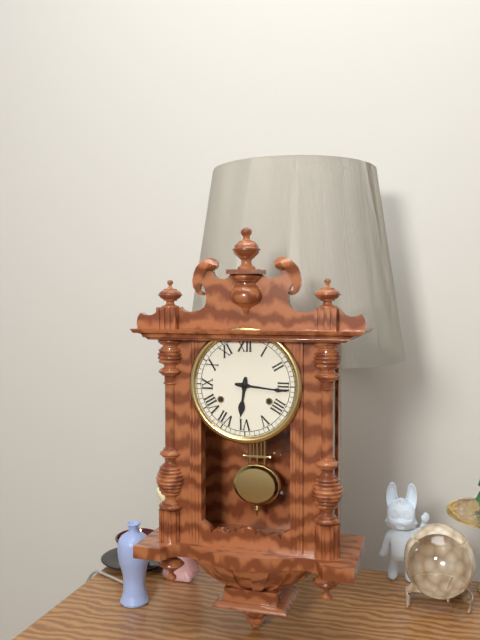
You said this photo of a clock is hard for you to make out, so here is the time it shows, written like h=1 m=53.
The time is h=6 m=16
